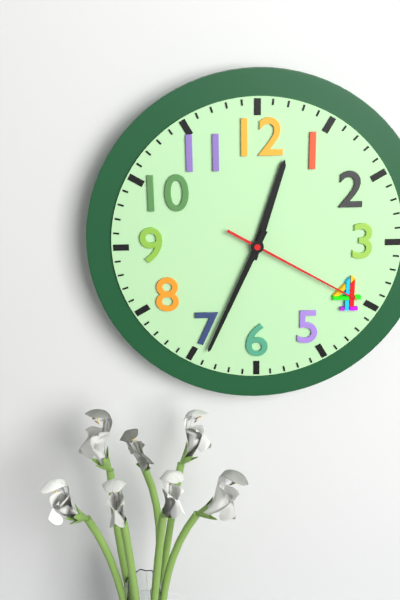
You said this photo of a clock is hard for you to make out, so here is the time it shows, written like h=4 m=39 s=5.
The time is h=12 m=34 s=20
